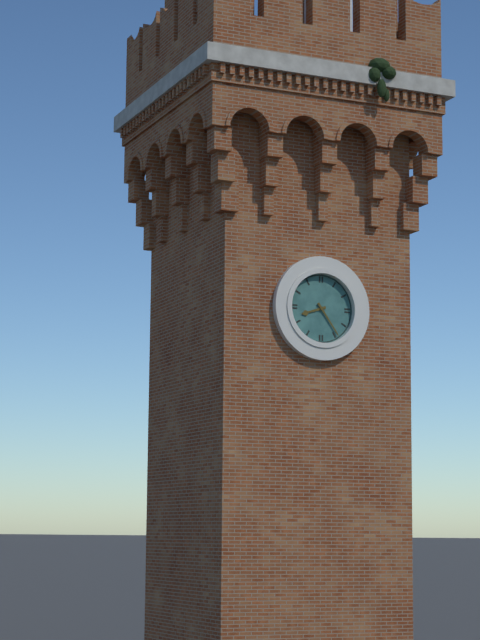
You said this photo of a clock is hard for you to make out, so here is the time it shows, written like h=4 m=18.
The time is h=8 m=24
